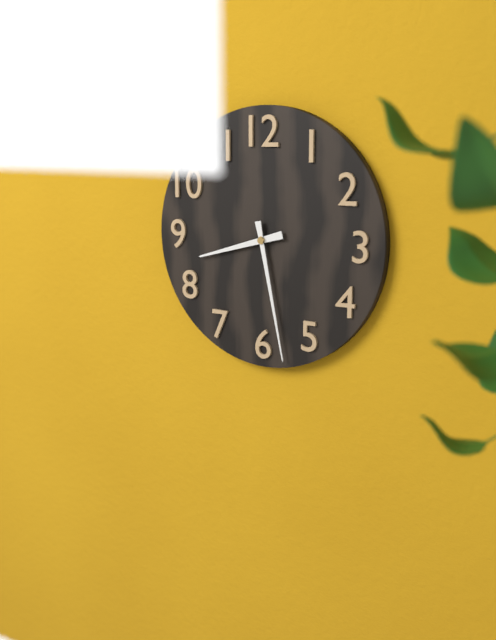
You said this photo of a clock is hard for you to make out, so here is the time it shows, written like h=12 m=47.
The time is h=8 m=28
